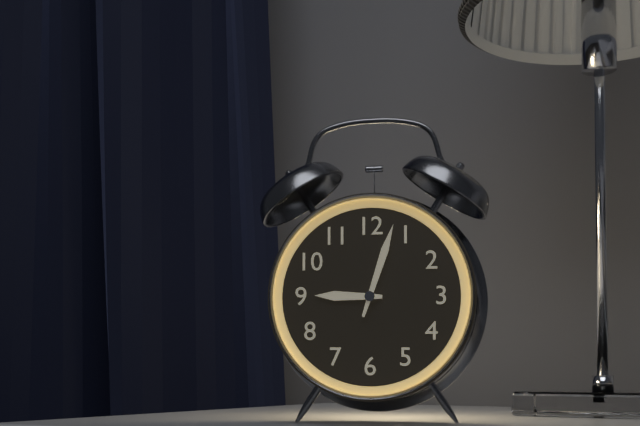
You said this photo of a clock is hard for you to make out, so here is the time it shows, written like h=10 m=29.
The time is h=9 m=3
